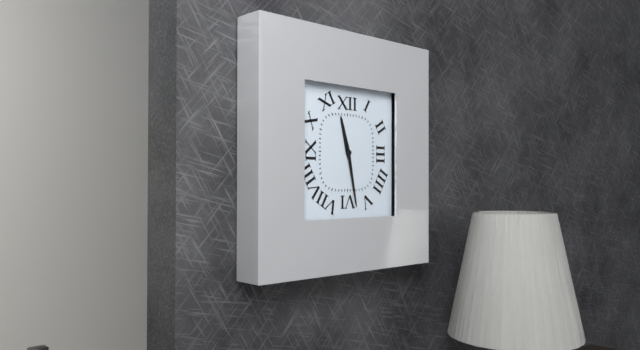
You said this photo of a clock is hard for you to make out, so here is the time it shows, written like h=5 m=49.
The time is h=11 m=28
